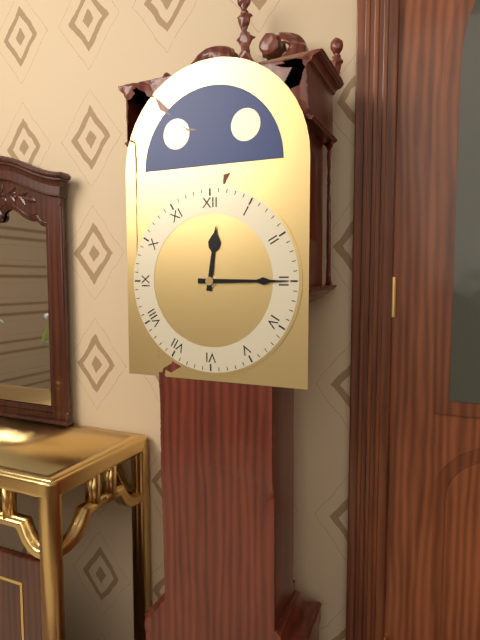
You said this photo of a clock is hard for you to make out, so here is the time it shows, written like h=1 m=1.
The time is h=12 m=15
